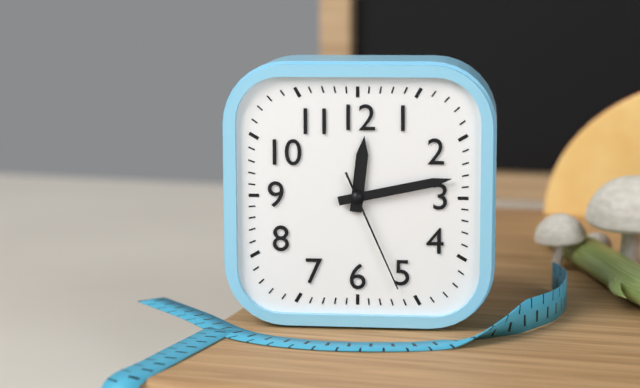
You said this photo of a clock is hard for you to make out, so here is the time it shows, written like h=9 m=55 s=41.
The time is h=12 m=13 s=26
